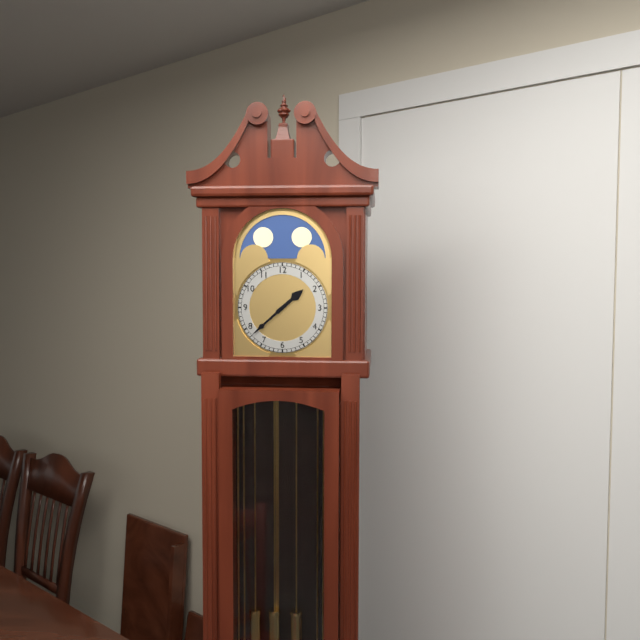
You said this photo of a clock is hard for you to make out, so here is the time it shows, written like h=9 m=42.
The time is h=1 m=38
